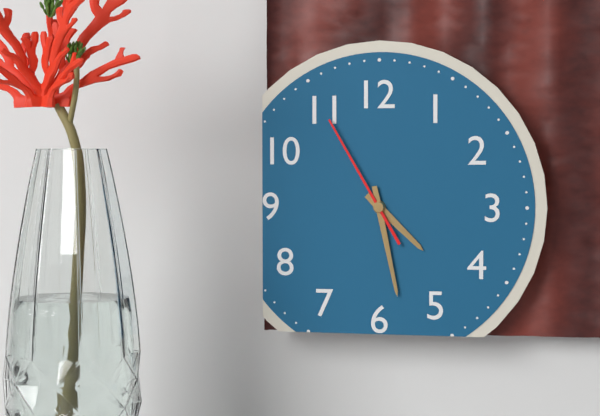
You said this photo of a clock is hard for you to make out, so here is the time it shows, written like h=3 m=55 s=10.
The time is h=4 m=28 s=55
